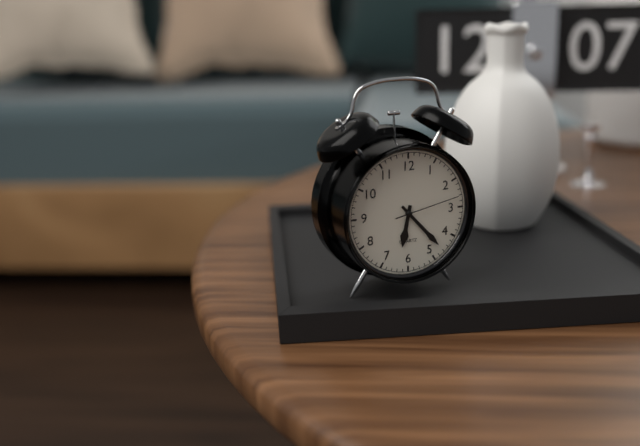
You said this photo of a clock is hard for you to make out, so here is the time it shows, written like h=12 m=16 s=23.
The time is h=6 m=23 s=13
